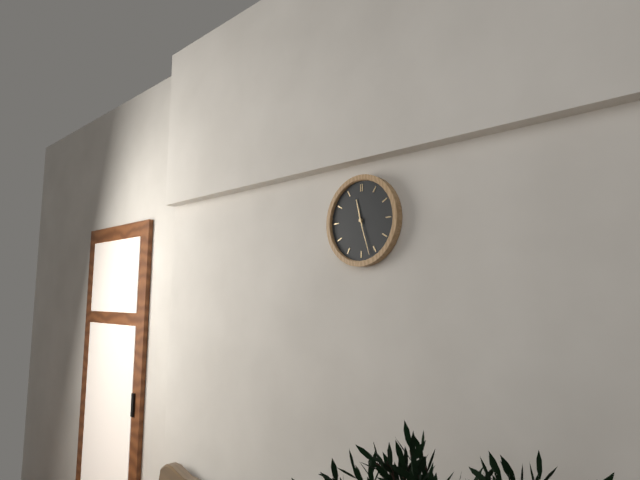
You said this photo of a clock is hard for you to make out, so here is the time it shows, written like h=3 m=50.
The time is h=11 m=27
